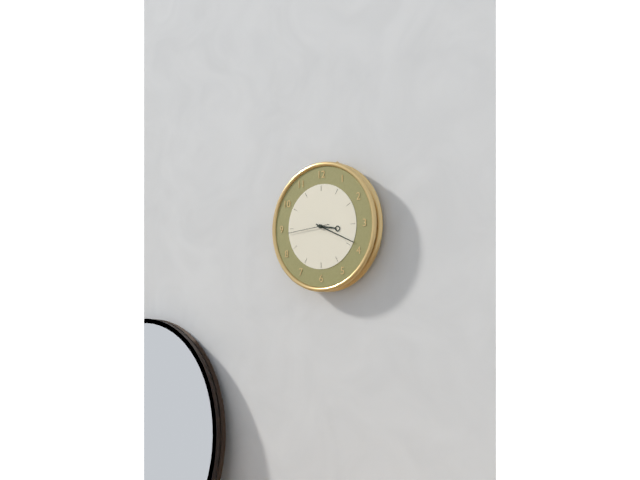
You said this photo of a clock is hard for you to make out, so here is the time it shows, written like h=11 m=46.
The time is h=3 m=19
